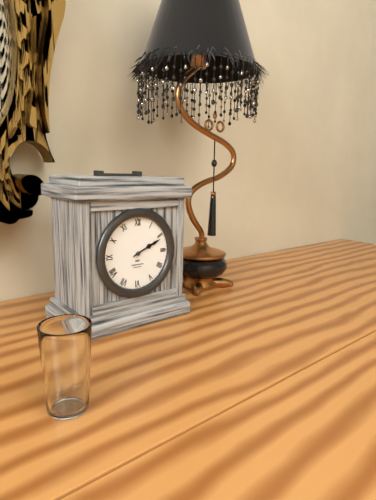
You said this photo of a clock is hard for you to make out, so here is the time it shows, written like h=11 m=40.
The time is h=2 m=11
